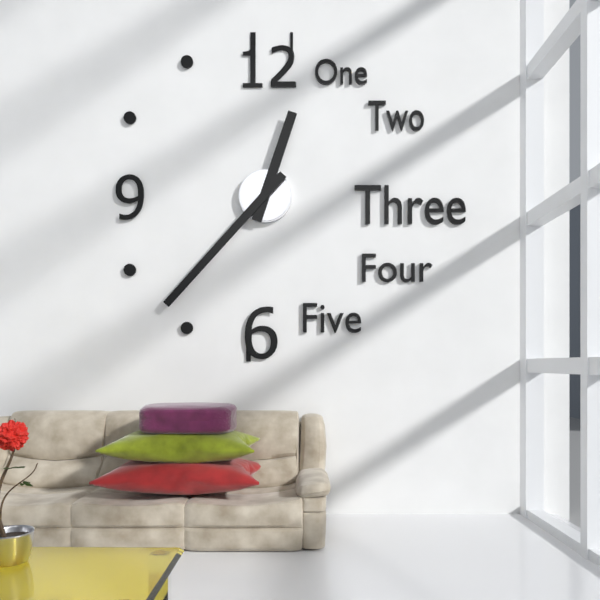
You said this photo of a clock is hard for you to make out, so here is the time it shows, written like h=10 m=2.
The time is h=12 m=37
